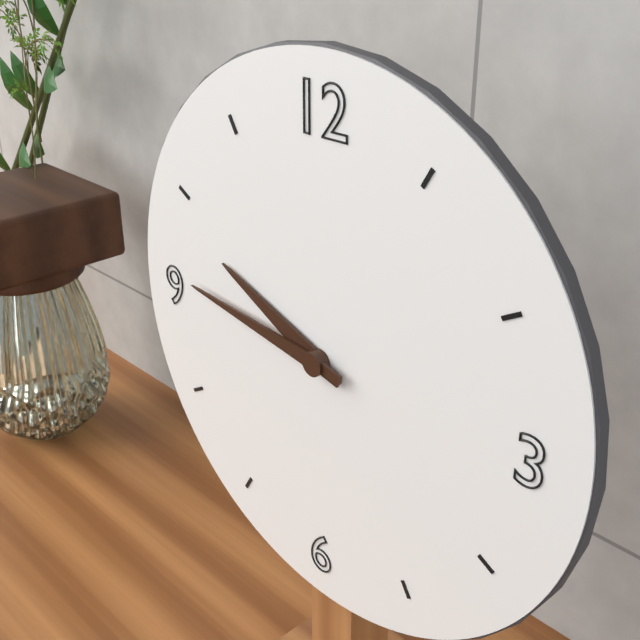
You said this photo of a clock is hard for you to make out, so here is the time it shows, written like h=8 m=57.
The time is h=9 m=46
